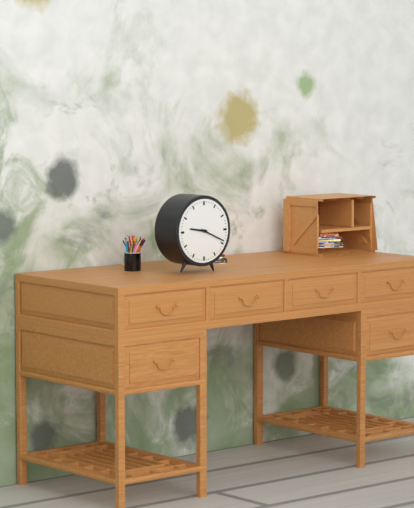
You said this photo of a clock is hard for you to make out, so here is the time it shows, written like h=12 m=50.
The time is h=9 m=19
